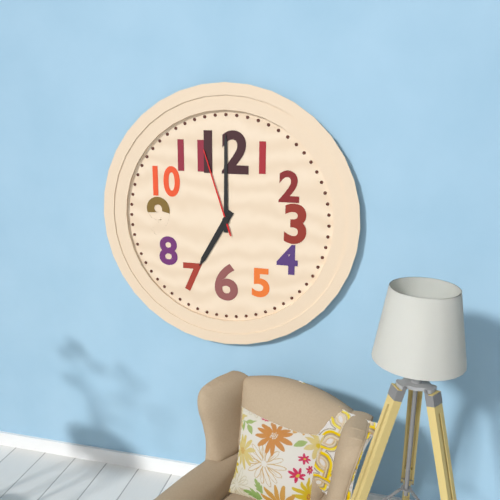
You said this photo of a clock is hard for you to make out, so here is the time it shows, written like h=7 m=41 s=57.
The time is h=7 m=0 s=57
